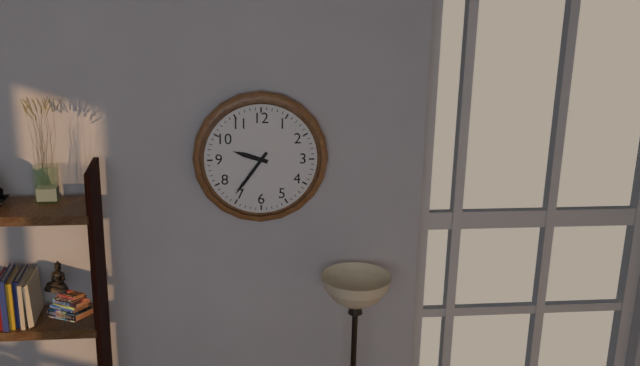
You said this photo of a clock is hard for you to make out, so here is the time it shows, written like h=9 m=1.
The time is h=9 m=36
